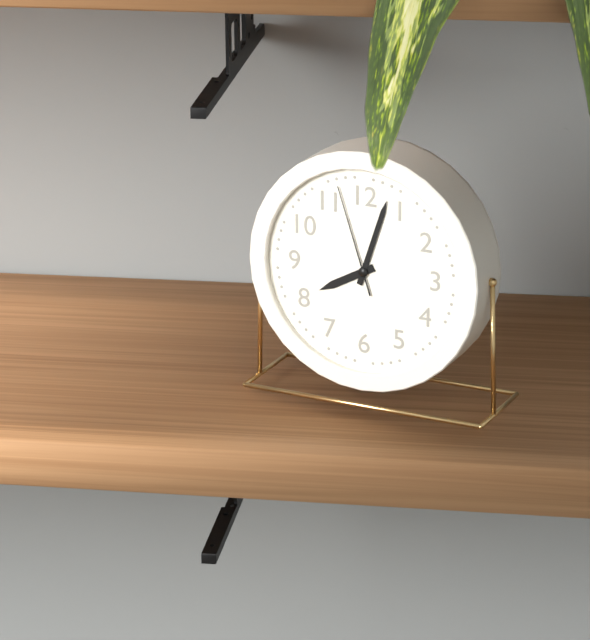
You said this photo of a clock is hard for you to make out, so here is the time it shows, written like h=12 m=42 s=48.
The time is h=8 m=3 s=57
